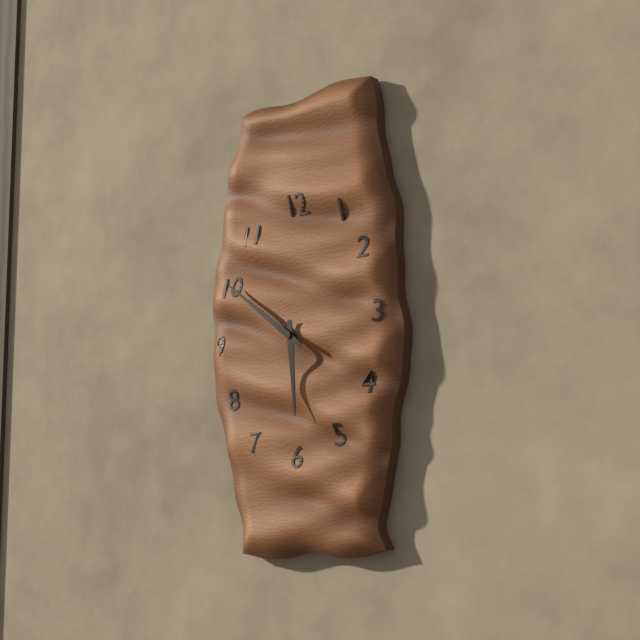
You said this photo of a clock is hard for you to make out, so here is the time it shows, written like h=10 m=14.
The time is h=5 m=51
